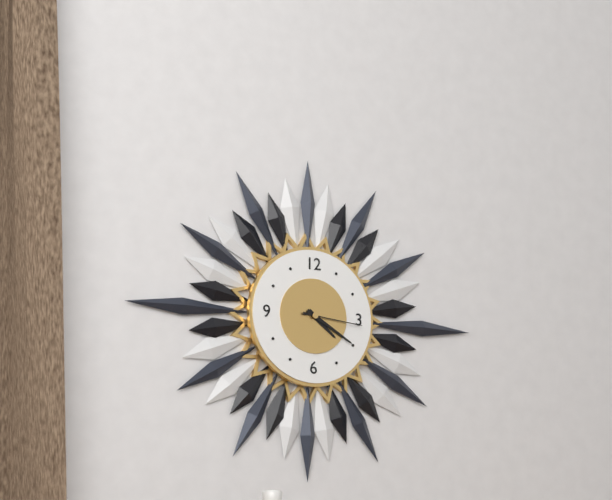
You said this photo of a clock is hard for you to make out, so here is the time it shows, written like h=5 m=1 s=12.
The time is h=4 m=20 s=16
